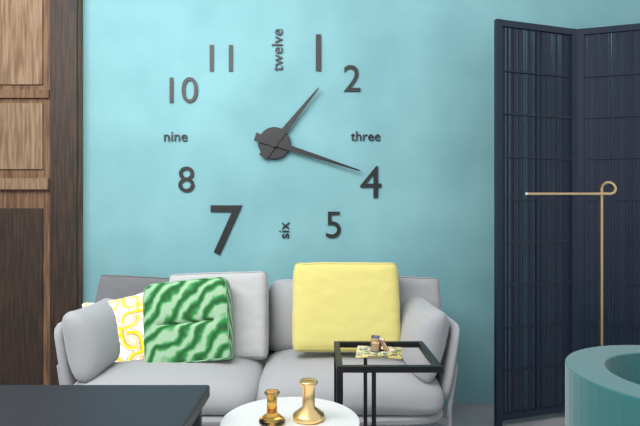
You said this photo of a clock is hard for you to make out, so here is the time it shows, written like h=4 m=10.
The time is h=1 m=18
